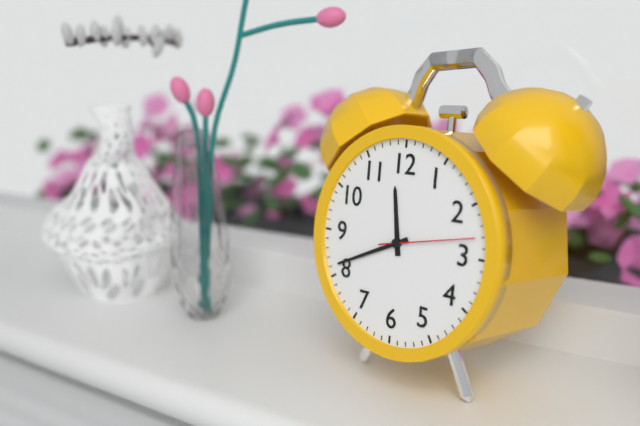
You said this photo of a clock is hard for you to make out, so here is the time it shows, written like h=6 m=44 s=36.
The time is h=11 m=41 s=13
